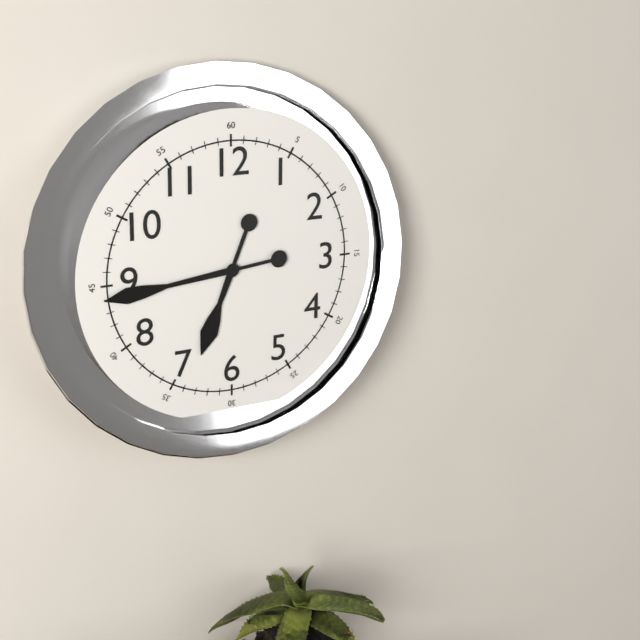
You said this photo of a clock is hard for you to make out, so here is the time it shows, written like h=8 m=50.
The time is h=6 m=44
